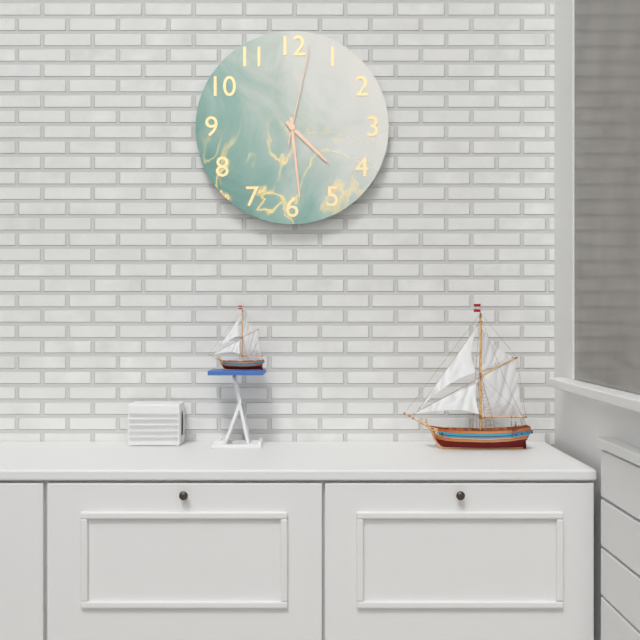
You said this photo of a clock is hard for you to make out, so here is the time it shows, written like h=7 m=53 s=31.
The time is h=4 m=29 s=2
